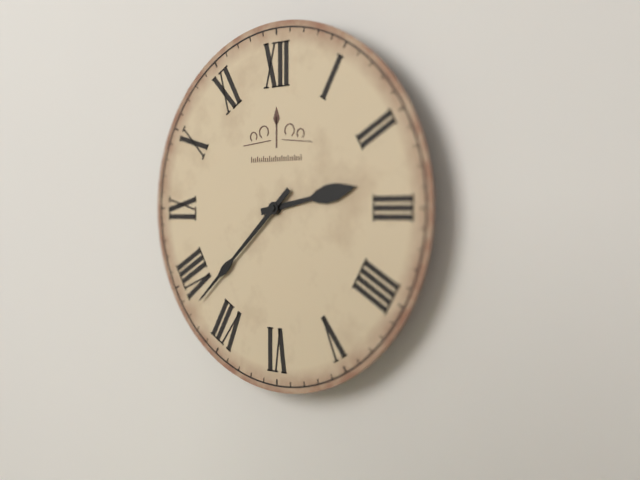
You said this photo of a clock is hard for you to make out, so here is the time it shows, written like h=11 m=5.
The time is h=2 m=38
